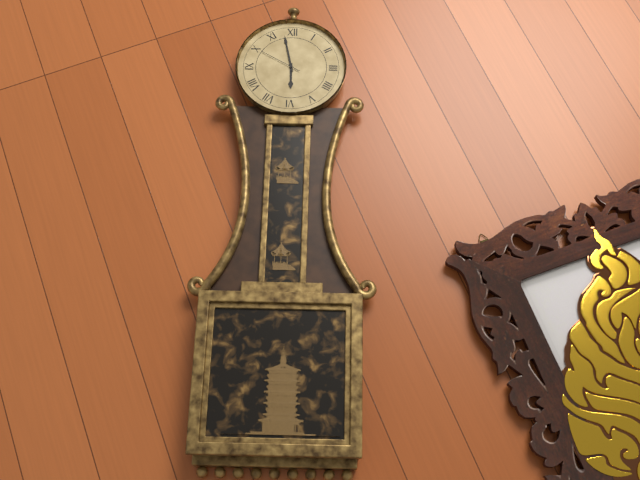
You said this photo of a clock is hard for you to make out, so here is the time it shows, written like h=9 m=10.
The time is h=5 m=58
